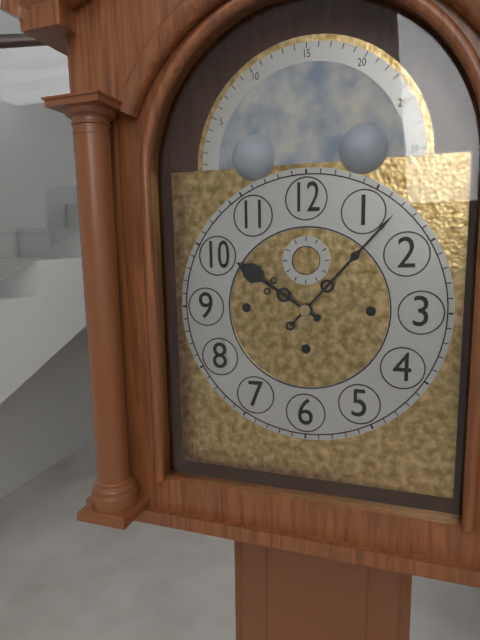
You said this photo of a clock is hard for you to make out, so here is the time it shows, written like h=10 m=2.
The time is h=10 m=7
